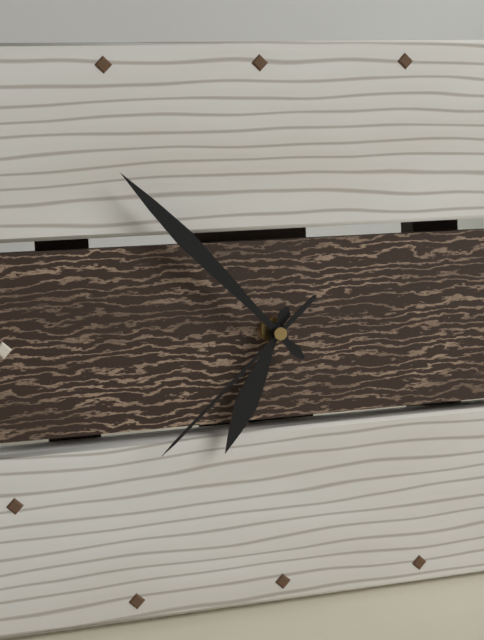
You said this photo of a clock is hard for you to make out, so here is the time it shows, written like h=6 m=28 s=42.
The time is h=6 m=53 s=38
